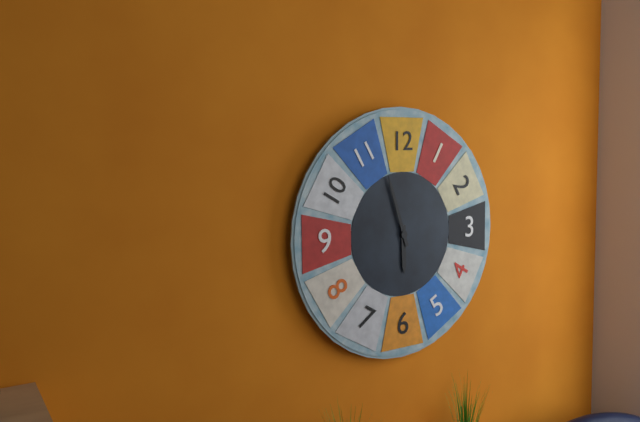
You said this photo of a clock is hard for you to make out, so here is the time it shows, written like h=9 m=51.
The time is h=5 m=57
